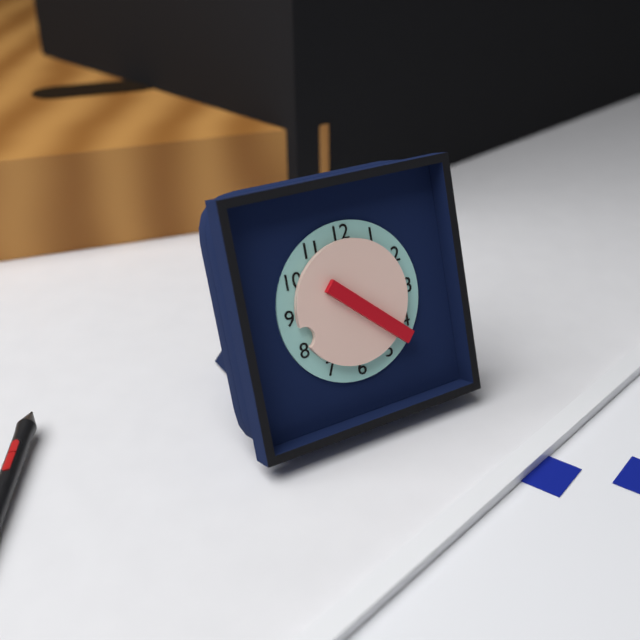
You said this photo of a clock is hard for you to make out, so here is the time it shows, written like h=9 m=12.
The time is h=8 m=22
